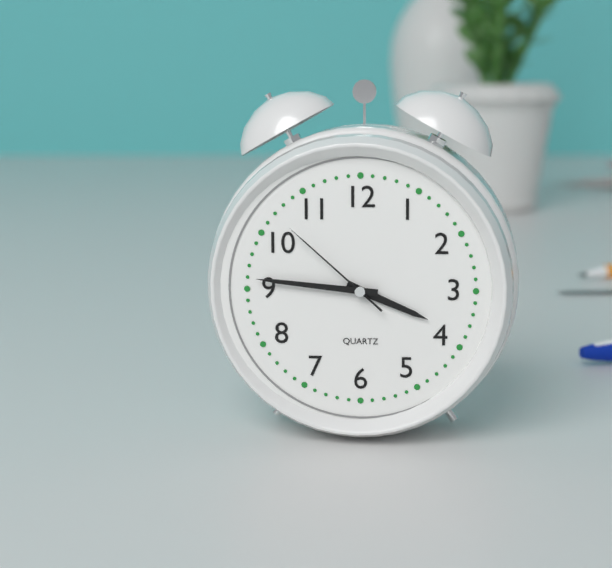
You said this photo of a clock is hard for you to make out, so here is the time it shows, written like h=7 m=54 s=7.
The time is h=3 m=46 s=52
